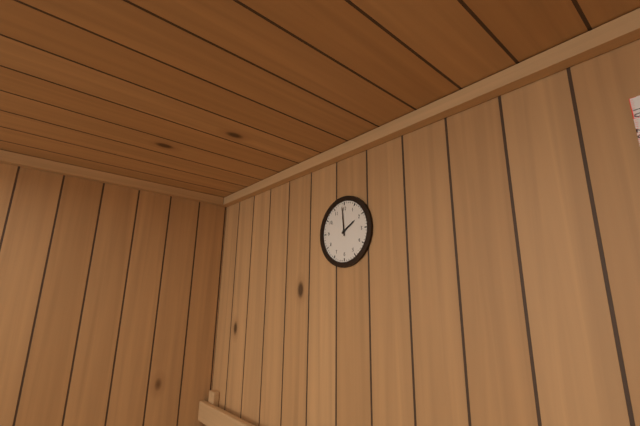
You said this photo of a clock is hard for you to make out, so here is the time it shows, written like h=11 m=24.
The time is h=1 m=59
